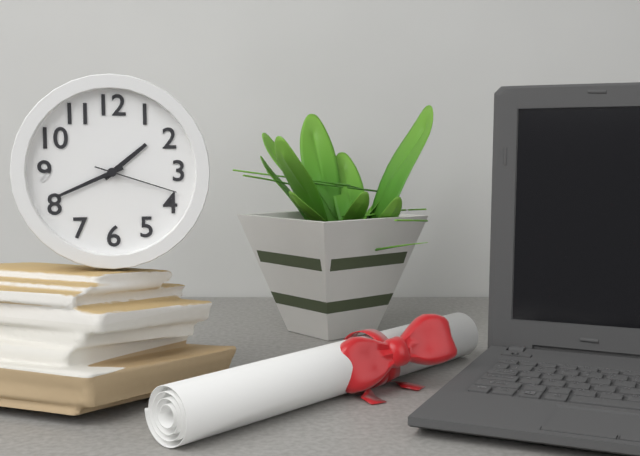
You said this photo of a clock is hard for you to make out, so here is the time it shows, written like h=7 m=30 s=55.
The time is h=1 m=41 s=18
